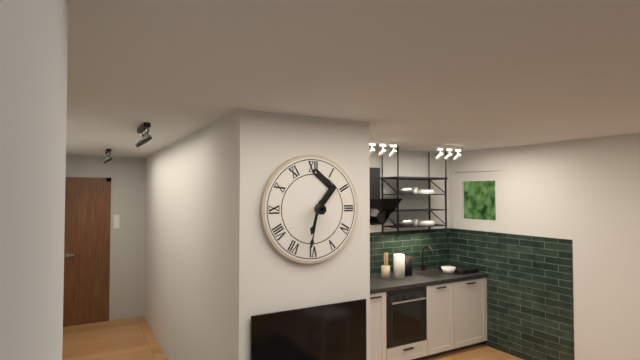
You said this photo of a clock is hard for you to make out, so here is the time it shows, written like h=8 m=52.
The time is h=6 m=32
